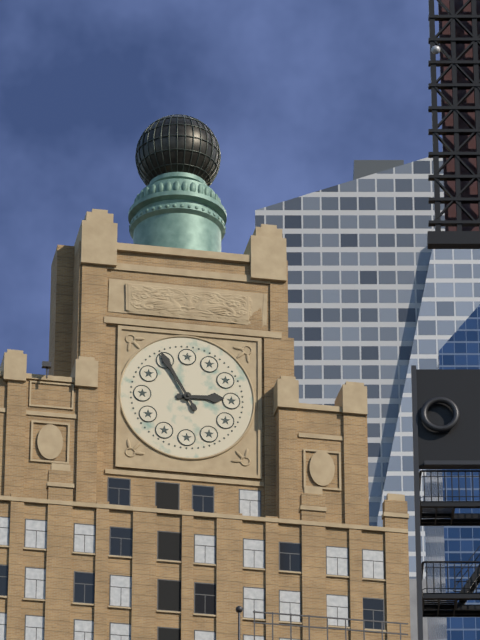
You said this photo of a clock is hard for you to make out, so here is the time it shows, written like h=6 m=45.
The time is h=2 m=55
